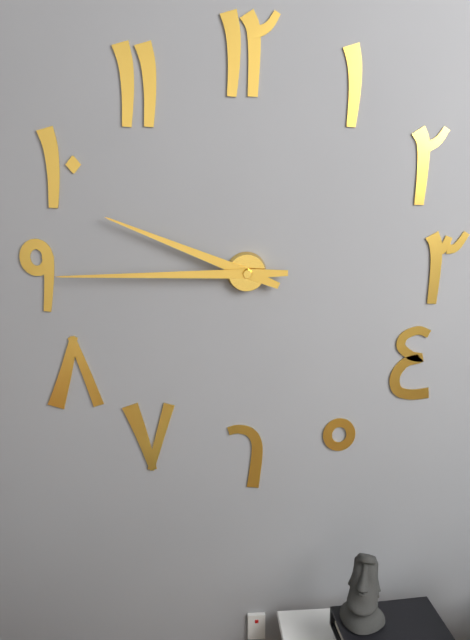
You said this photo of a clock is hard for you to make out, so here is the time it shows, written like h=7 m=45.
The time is h=9 m=45
